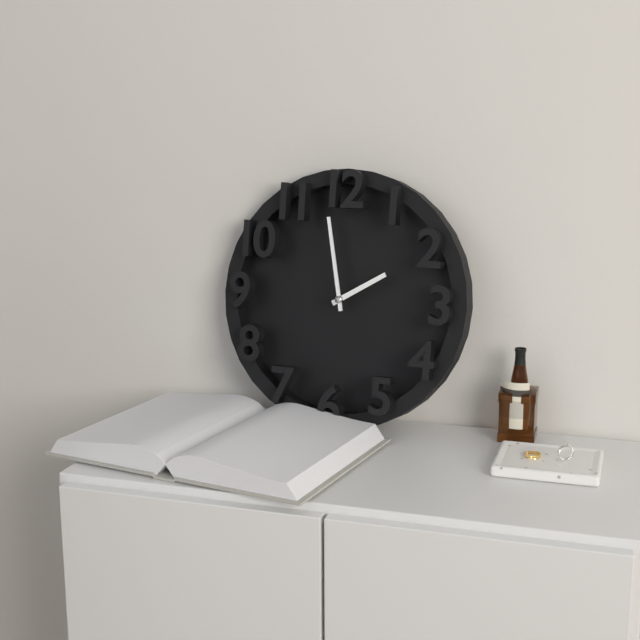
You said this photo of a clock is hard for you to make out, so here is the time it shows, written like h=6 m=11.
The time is h=1 m=58
